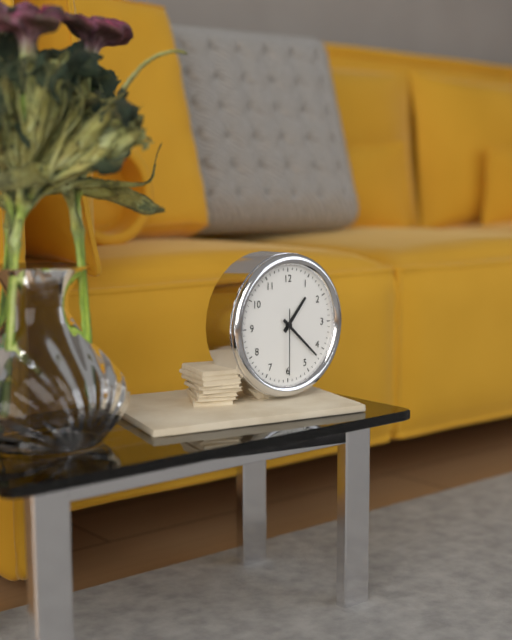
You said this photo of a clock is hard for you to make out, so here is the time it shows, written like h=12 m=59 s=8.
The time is h=1 m=22 s=30
